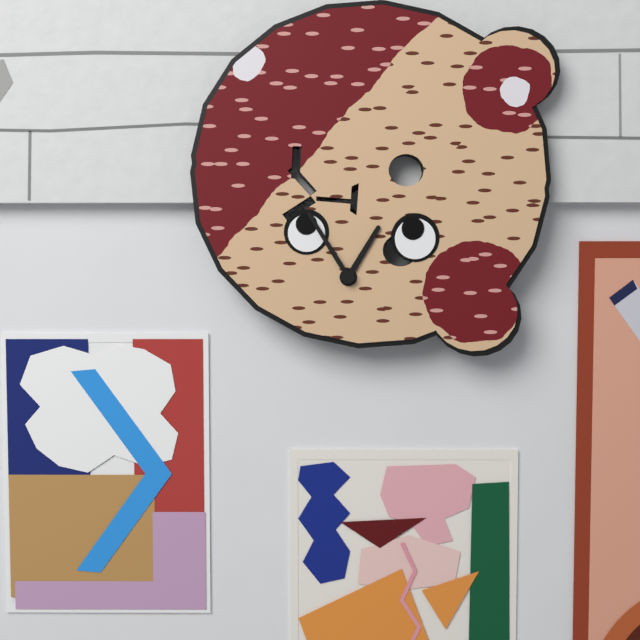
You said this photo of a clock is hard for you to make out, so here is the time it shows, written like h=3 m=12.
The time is h=12 m=54
